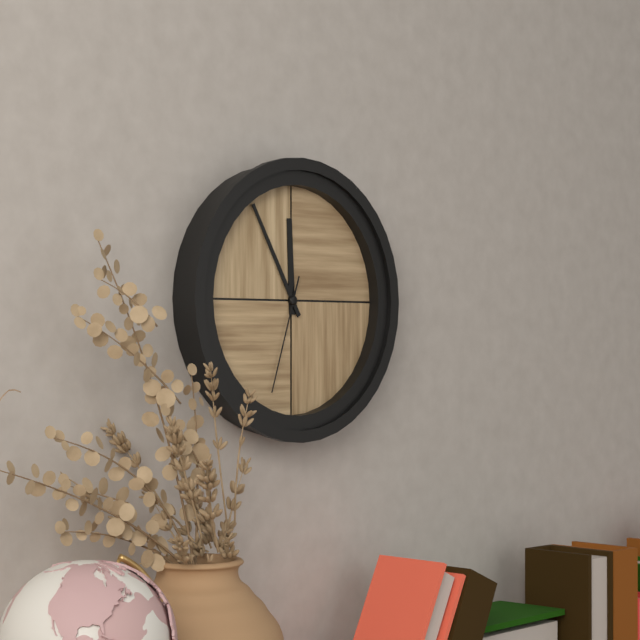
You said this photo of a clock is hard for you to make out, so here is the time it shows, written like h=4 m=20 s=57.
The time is h=11 m=55 s=33
